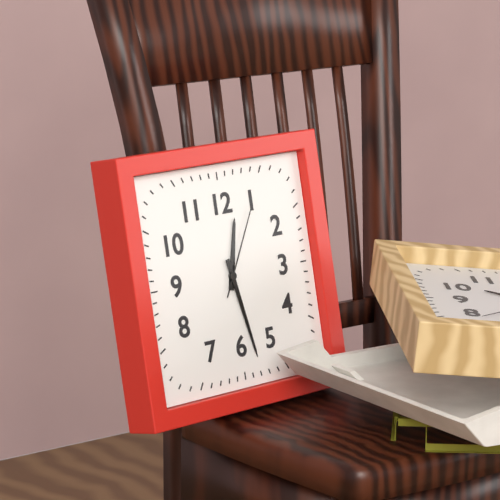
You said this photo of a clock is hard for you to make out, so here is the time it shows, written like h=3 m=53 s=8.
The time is h=12 m=28 s=5
